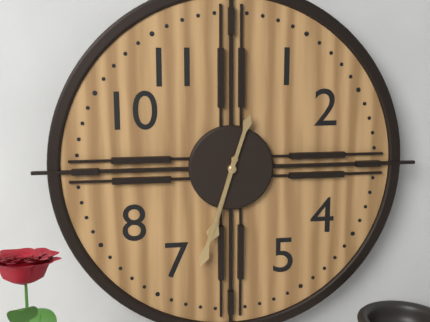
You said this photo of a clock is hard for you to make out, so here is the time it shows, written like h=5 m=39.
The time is h=6 m=33
